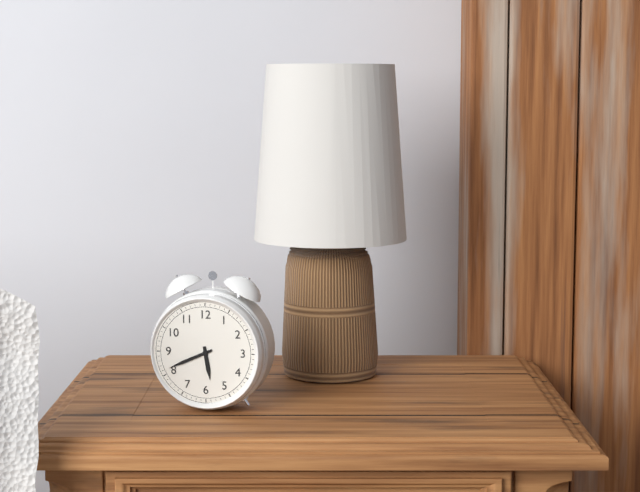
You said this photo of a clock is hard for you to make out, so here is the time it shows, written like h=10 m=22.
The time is h=5 m=41
